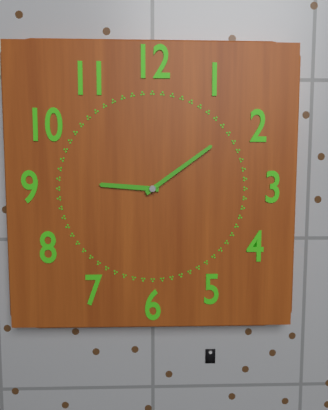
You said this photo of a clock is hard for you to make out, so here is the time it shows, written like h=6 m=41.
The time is h=9 m=9
